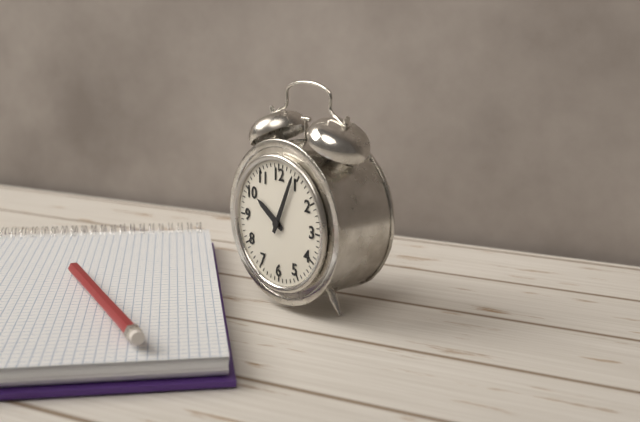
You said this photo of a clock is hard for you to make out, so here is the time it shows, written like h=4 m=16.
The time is h=10 m=4
